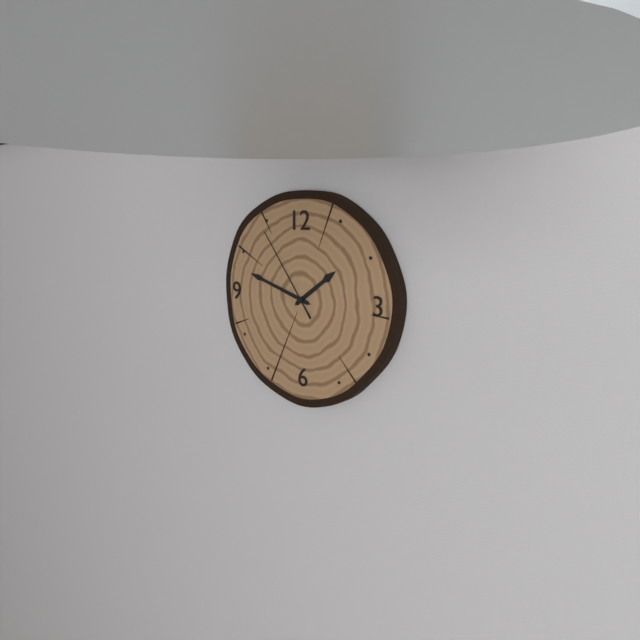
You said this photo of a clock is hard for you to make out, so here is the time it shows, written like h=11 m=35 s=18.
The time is h=1 m=48 s=54
